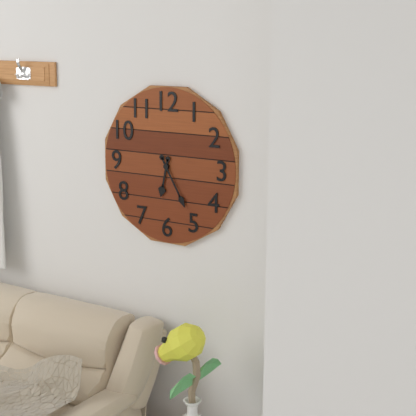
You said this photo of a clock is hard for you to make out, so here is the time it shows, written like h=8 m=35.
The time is h=6 m=25
